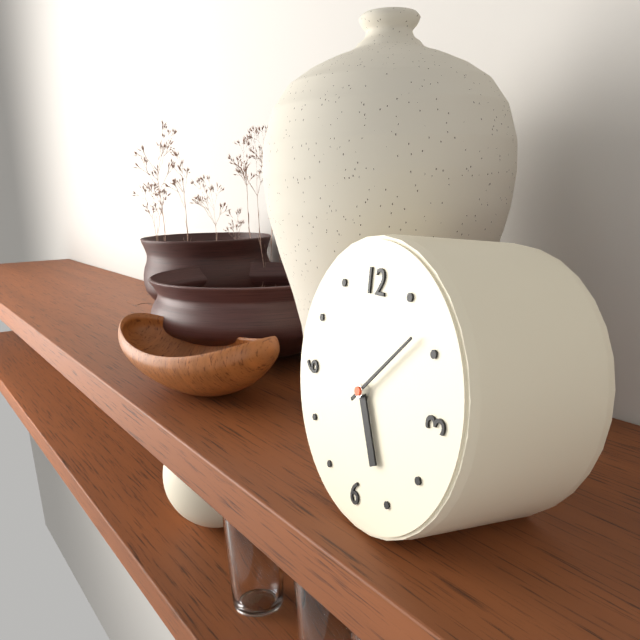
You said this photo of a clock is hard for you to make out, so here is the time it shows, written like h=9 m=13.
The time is h=5 m=8
